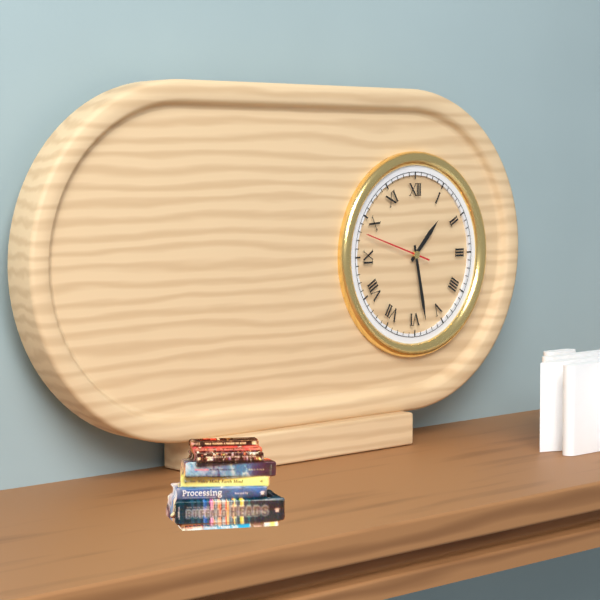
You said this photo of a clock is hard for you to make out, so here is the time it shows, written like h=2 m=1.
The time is h=1 m=28
